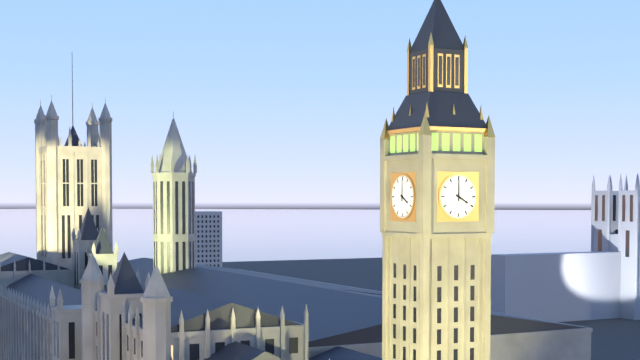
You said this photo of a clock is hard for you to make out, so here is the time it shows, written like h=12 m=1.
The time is h=4 m=0
